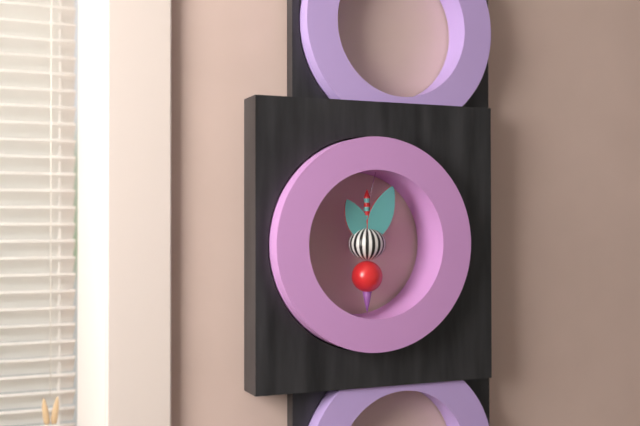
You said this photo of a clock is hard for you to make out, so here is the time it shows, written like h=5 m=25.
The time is h=11 m=4
